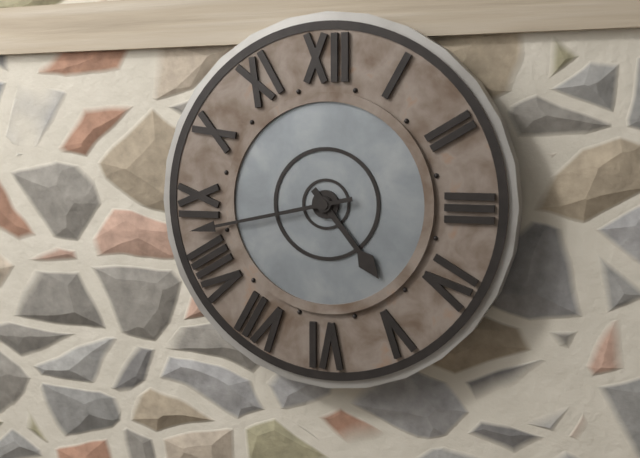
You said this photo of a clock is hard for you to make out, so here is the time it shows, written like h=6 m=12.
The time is h=4 m=43
